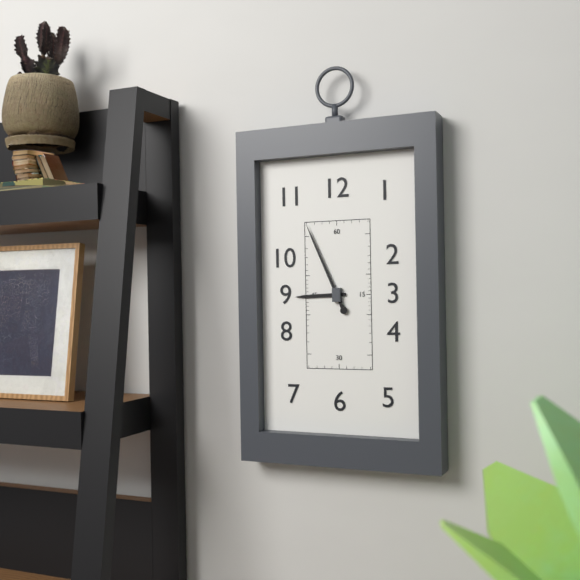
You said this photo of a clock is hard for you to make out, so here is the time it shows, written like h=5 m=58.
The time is h=8 m=56
